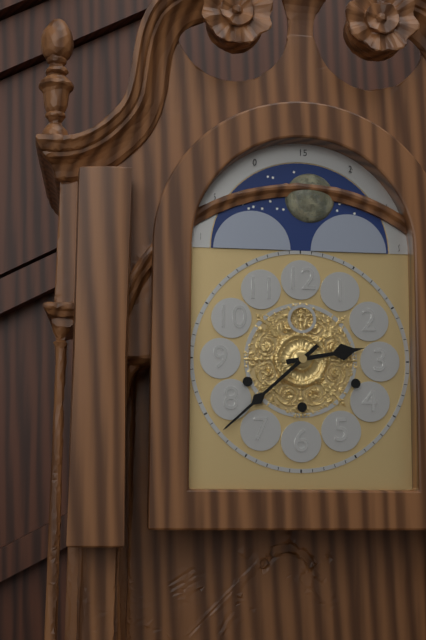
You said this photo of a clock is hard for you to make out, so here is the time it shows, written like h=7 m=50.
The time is h=2 m=38
